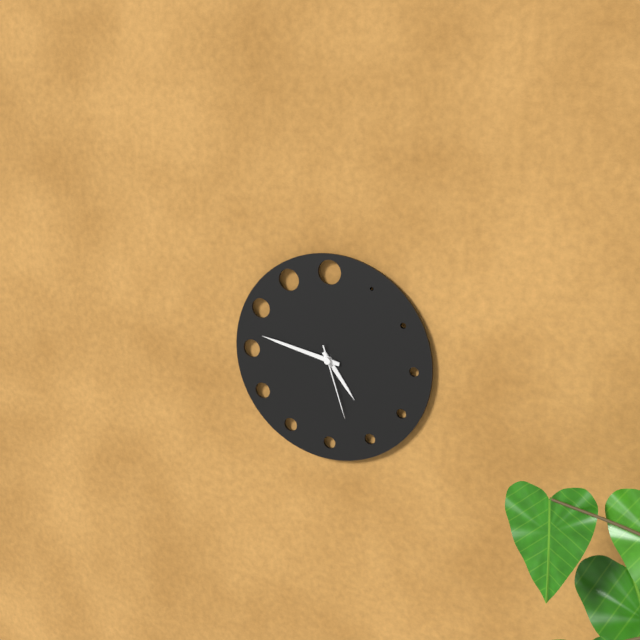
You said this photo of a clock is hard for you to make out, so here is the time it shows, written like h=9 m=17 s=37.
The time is h=4 m=47 s=27
